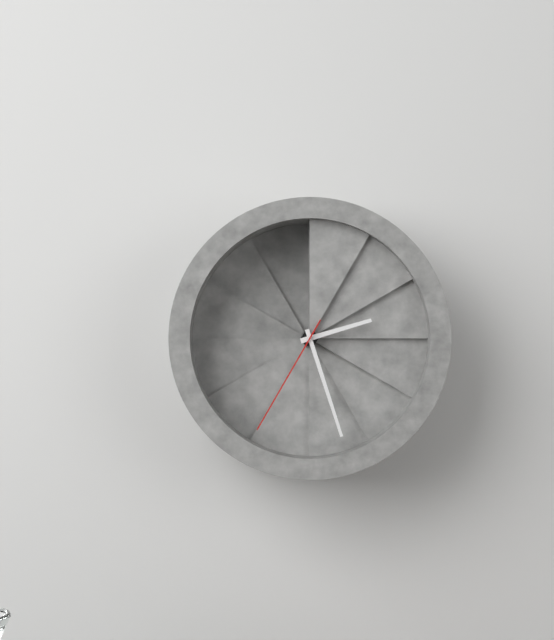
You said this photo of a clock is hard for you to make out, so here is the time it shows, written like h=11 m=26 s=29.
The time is h=2 m=27 s=35
